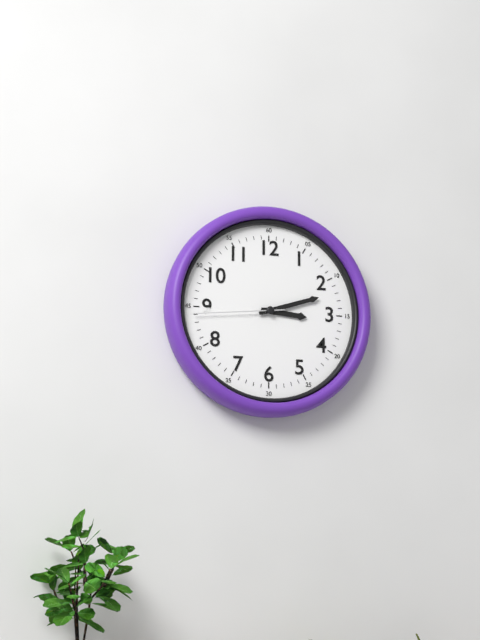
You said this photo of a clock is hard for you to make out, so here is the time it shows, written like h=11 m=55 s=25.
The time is h=3 m=12 s=44
